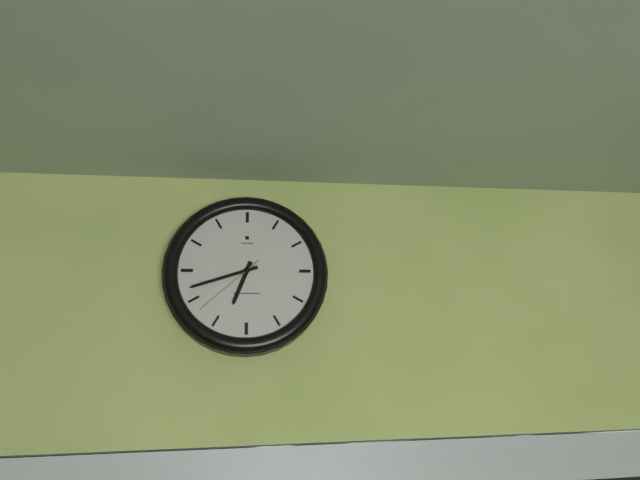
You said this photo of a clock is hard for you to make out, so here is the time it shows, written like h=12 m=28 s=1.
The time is h=6 m=42 s=38
